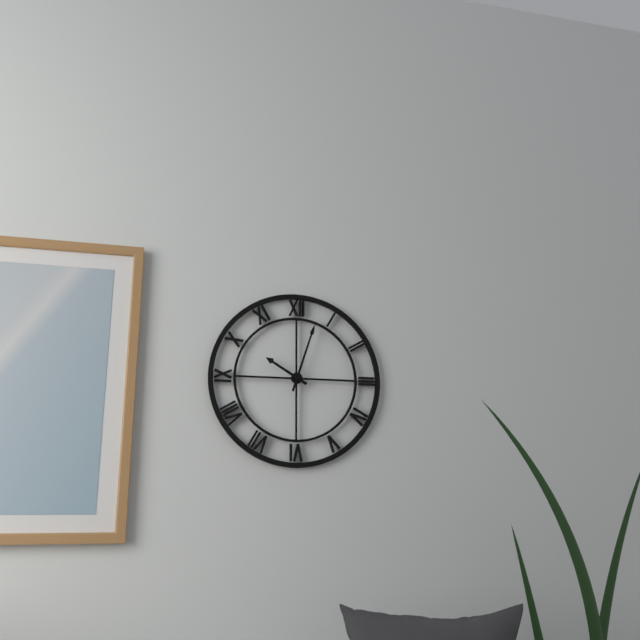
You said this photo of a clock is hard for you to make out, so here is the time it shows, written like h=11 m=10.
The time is h=10 m=3
